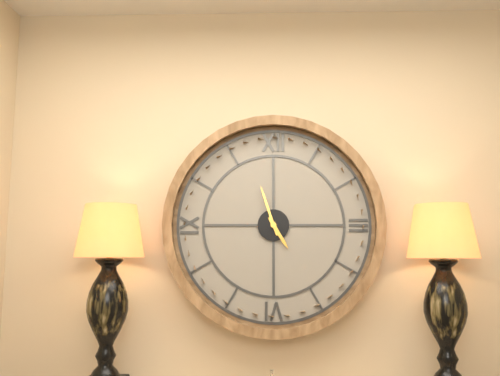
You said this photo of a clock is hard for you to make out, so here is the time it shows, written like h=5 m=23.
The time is h=4 m=57
